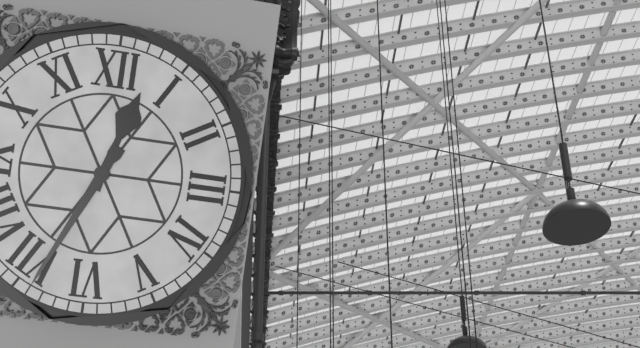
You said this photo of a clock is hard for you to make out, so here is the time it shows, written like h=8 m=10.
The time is h=12 m=34
